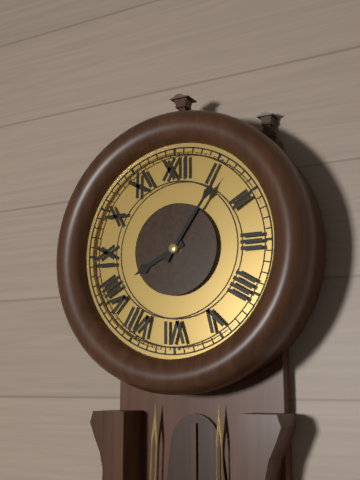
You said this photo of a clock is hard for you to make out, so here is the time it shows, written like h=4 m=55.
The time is h=8 m=6
